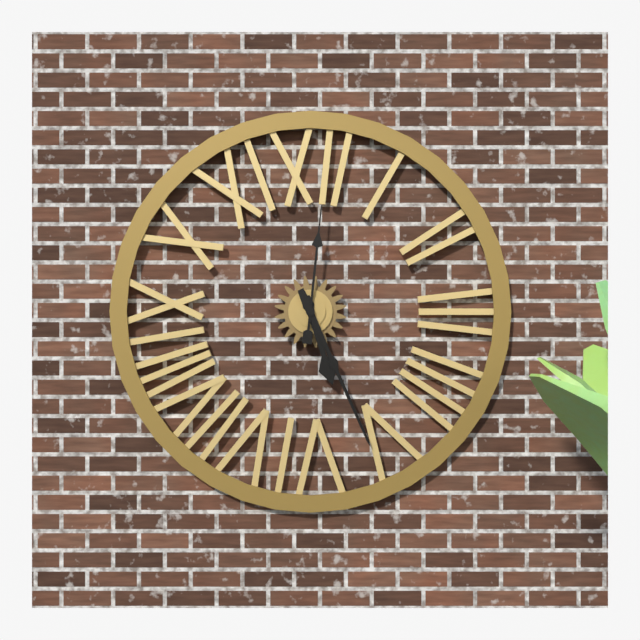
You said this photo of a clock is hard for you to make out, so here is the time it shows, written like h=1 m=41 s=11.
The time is h=5 m=26 s=1
